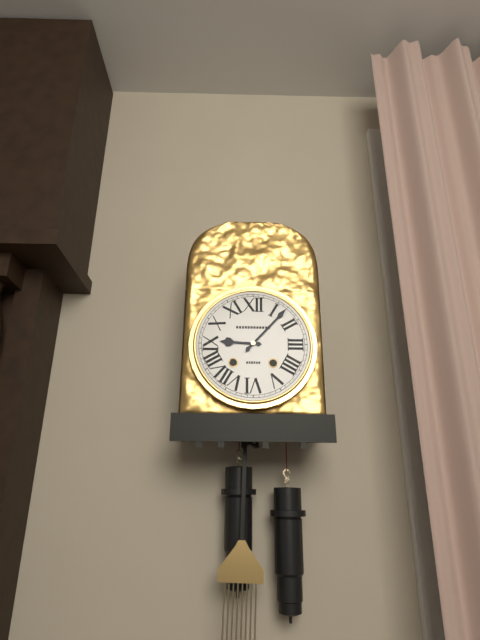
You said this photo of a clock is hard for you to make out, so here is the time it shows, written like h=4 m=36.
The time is h=9 m=7
